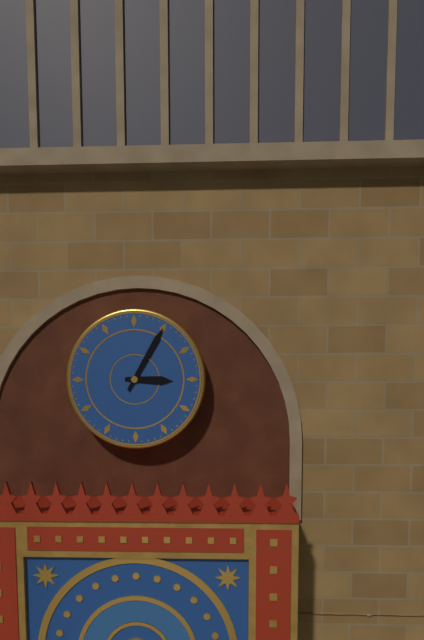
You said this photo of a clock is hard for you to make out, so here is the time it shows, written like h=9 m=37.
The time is h=3 m=5
